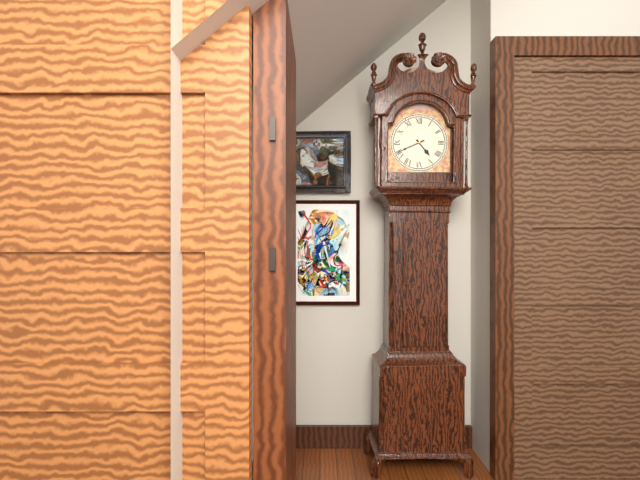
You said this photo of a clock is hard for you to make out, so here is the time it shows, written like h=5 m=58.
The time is h=4 m=41
